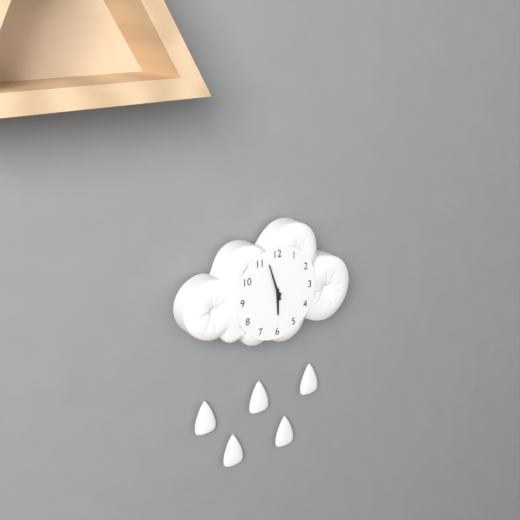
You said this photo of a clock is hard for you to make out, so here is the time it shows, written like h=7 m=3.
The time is h=5 m=57
